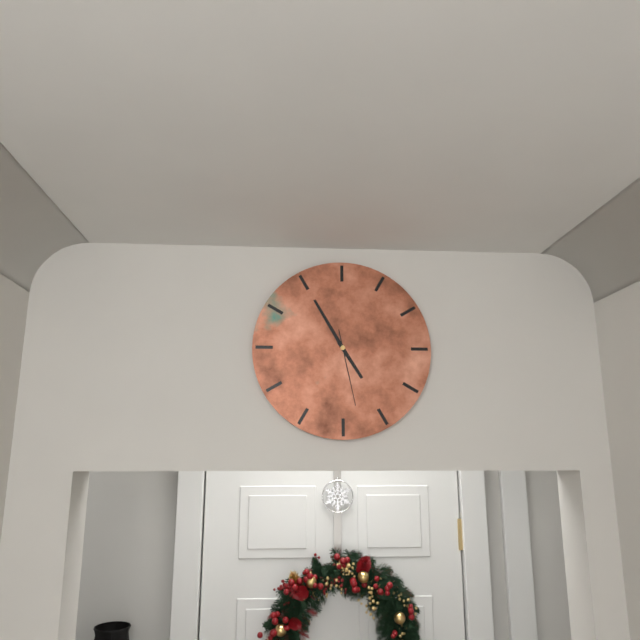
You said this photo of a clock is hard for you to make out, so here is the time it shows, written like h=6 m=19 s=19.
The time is h=4 m=55 s=28
